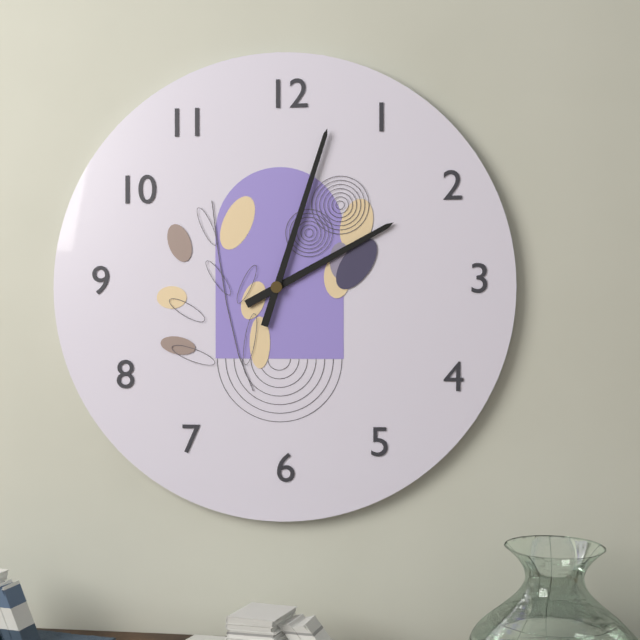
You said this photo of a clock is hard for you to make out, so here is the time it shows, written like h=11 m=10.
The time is h=2 m=3
